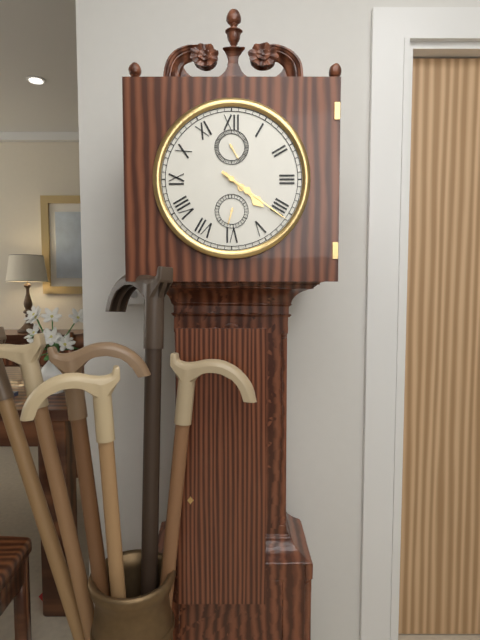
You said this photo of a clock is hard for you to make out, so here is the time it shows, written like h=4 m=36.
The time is h=4 m=21
